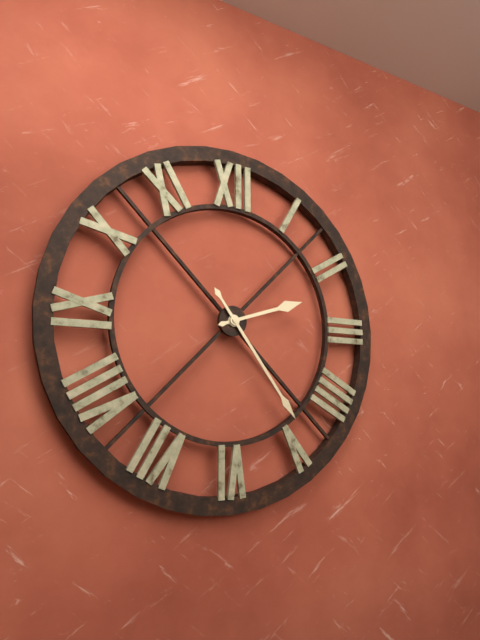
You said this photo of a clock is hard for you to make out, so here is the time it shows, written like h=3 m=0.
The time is h=2 m=24
